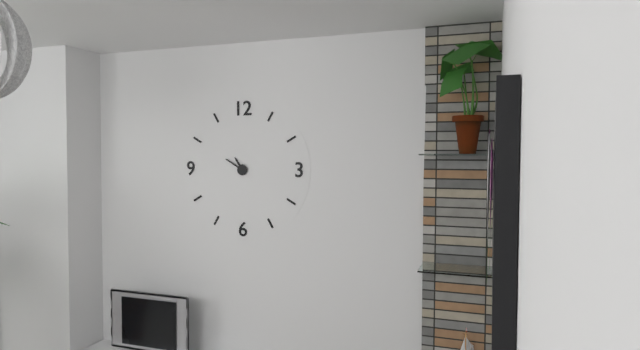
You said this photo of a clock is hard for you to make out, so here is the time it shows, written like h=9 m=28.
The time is h=10 m=50
